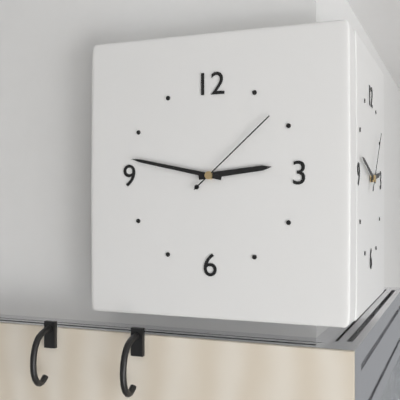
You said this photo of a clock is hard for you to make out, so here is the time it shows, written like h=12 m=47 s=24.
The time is h=2 m=47 s=8
